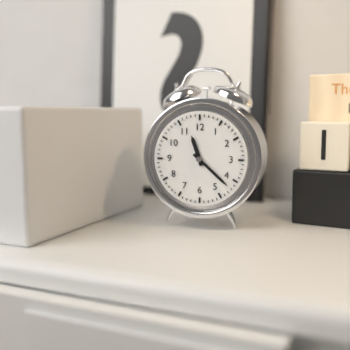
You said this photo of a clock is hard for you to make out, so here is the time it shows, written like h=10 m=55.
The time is h=11 m=22
